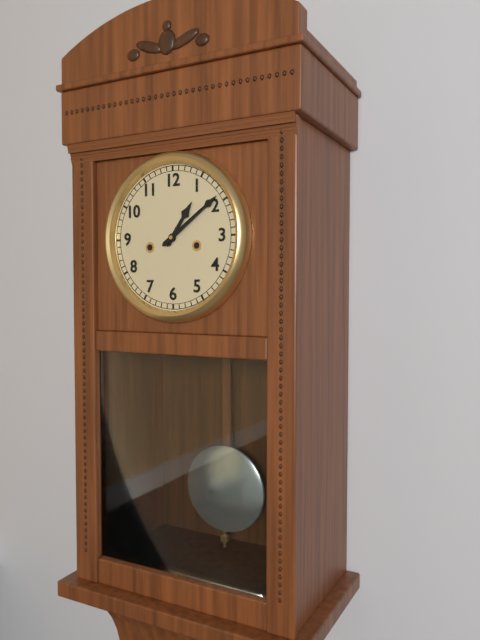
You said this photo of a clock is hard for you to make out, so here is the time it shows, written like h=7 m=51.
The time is h=1 m=9
